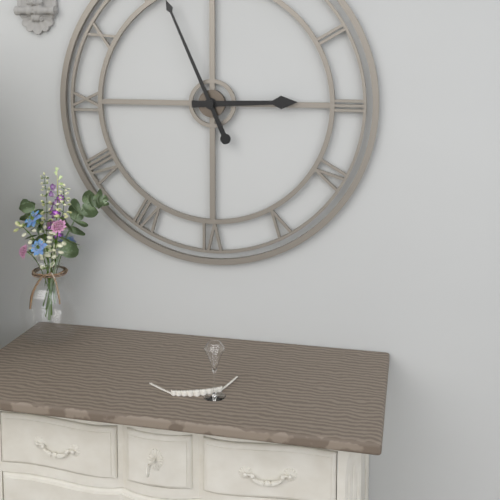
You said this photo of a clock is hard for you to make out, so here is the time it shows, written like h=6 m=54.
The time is h=2 m=56
